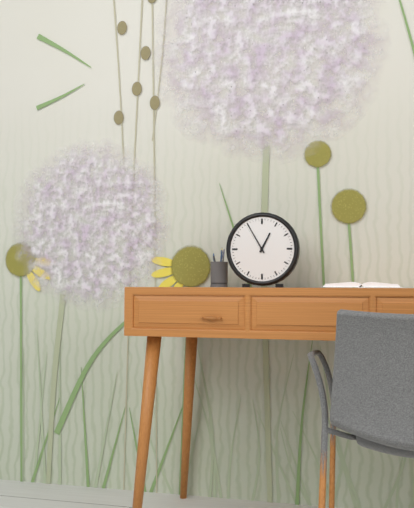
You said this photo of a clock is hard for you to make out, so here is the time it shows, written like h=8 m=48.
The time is h=12 m=55
